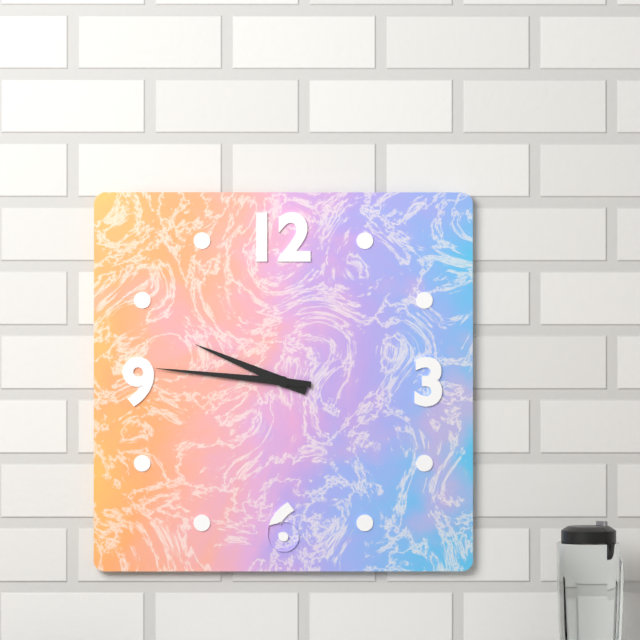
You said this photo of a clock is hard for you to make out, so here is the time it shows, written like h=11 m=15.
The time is h=9 m=46
